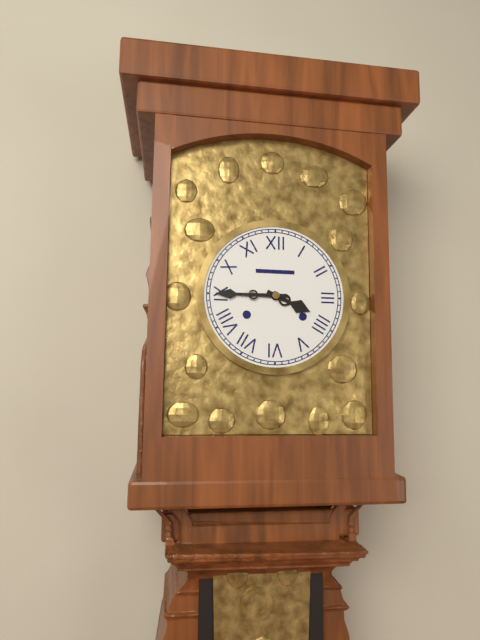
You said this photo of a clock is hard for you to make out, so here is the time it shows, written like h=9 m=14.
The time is h=3 m=45
